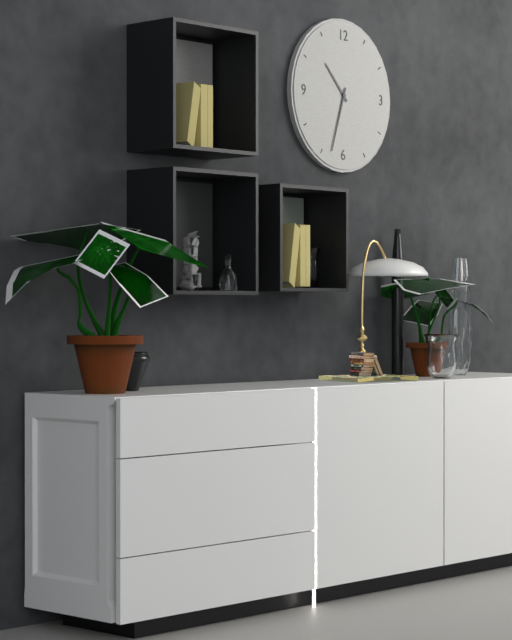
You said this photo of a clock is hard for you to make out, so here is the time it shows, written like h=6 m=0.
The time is h=10 m=33
